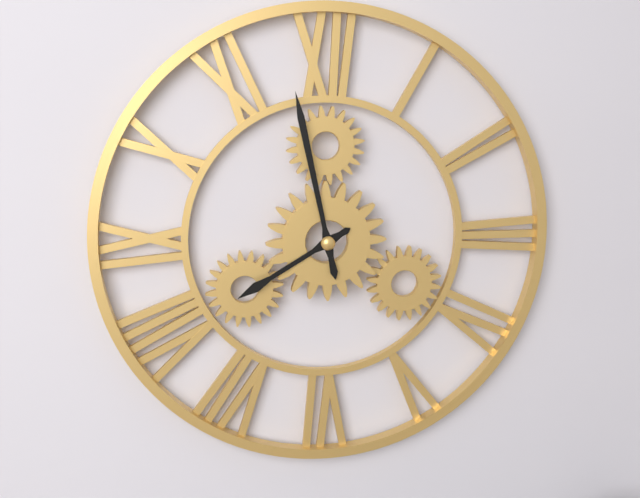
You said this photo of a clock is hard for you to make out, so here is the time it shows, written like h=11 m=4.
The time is h=7 m=58
